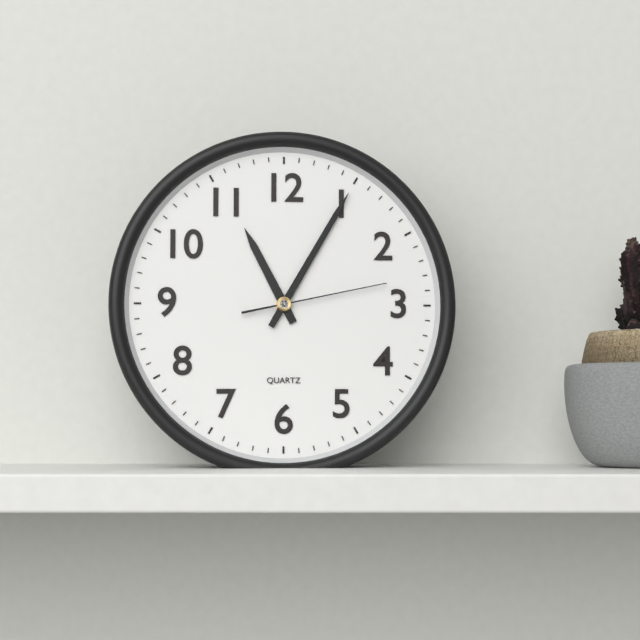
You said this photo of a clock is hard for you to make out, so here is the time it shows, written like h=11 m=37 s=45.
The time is h=11 m=5 s=13
